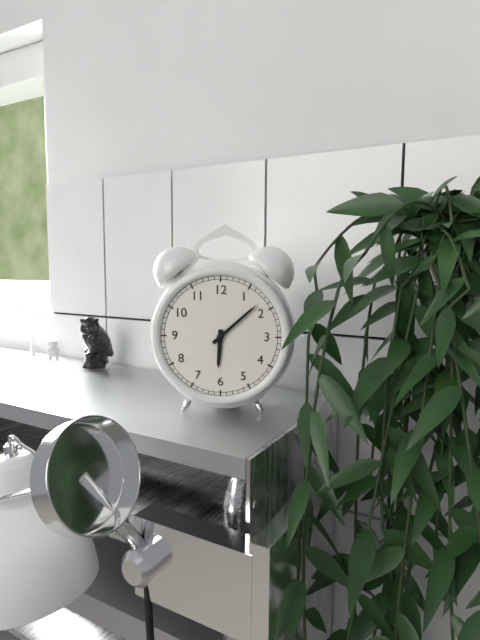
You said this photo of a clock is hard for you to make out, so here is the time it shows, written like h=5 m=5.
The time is h=6 m=8
